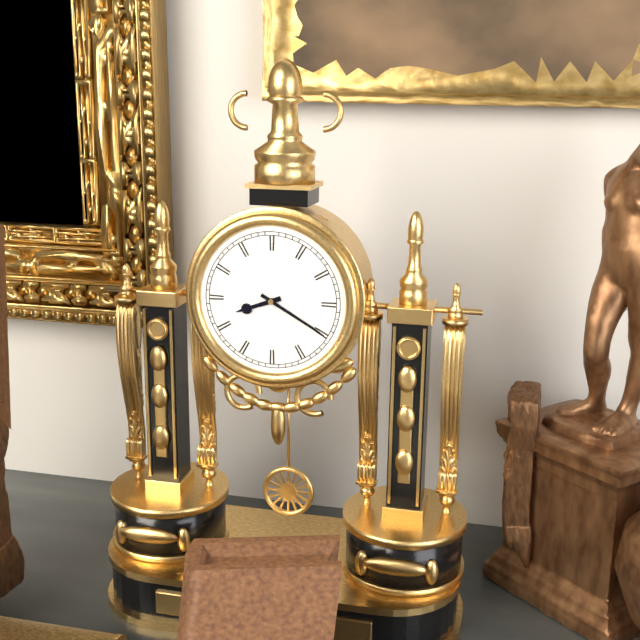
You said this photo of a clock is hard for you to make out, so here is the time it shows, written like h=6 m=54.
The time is h=8 m=20
